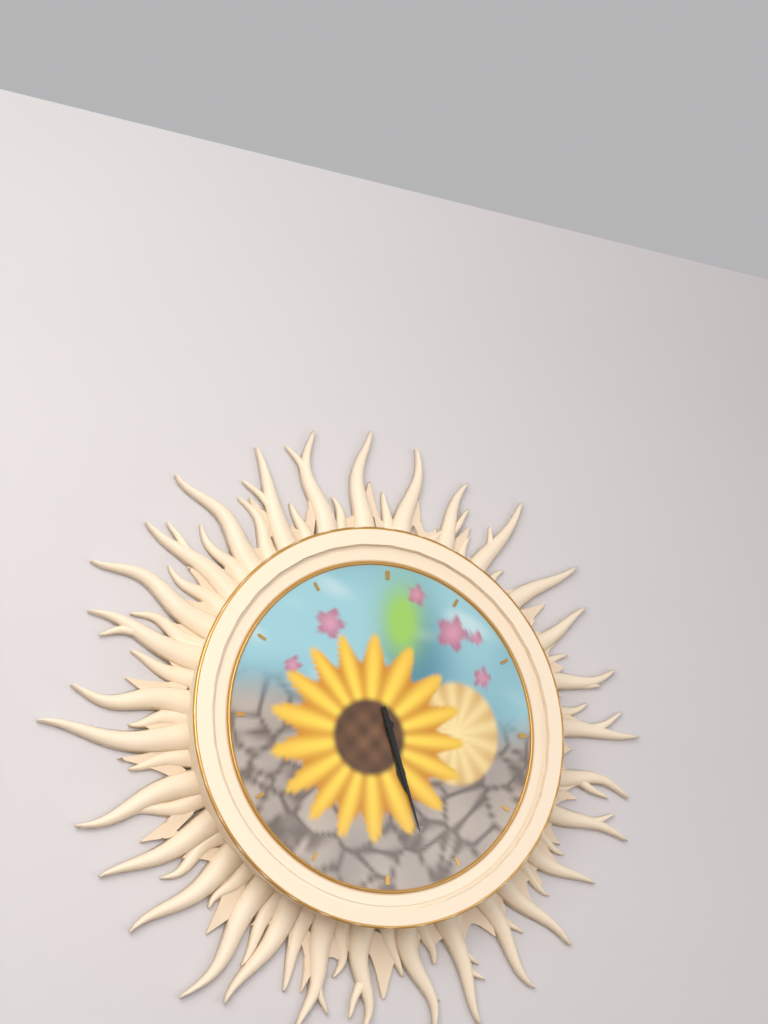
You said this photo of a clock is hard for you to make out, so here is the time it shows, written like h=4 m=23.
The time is h=5 m=27
